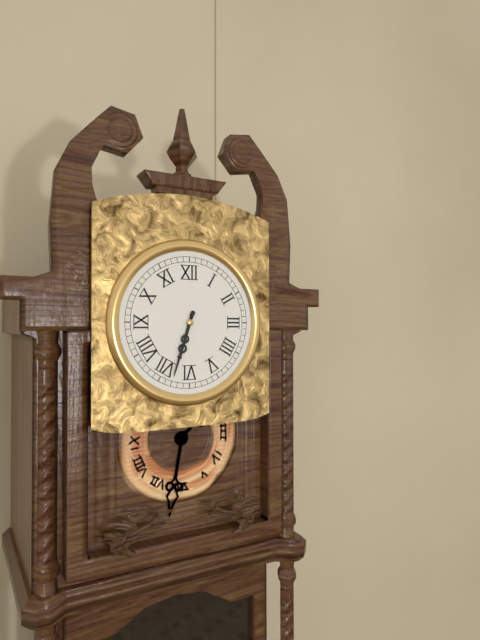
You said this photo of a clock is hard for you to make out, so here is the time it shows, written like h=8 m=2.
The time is h=6 m=33
